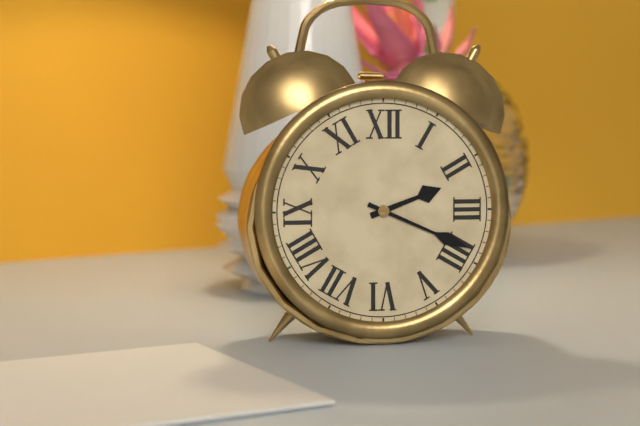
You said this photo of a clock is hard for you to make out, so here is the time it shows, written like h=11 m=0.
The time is h=2 m=19
